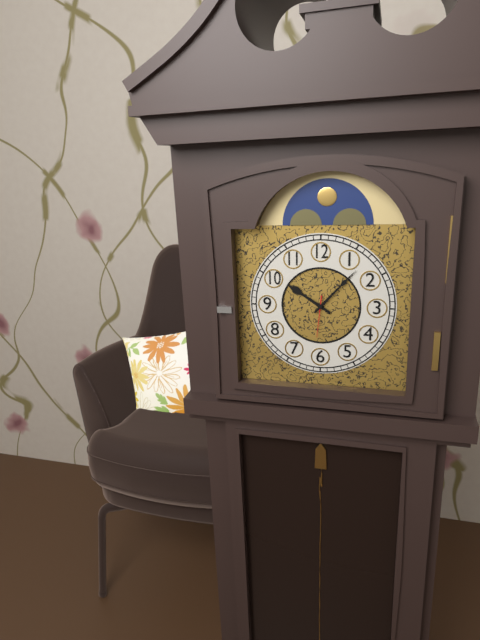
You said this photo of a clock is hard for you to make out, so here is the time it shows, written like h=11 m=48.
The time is h=10 m=7
